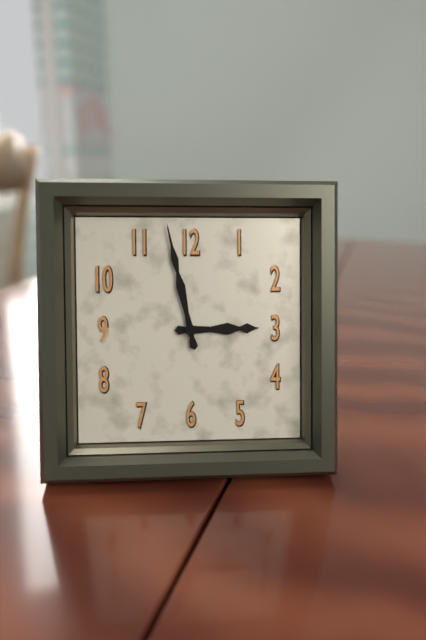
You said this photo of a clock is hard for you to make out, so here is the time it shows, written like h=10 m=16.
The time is h=2 m=58
